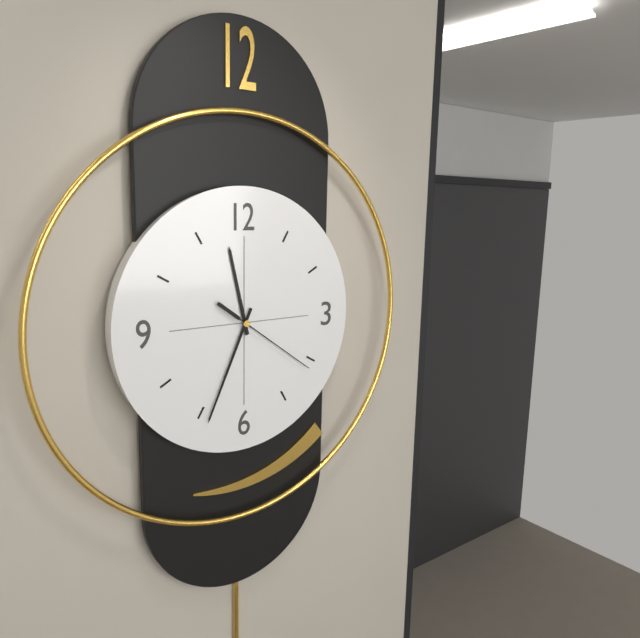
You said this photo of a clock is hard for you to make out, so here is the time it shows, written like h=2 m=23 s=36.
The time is h=11 m=34 s=21
